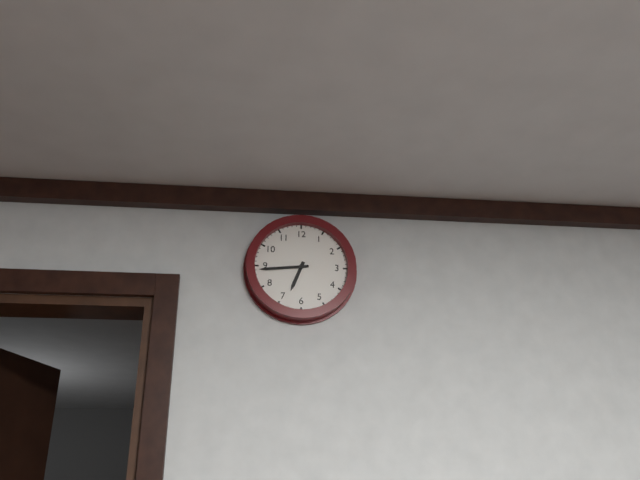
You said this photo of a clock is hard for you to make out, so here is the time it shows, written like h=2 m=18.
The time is h=6 m=44
